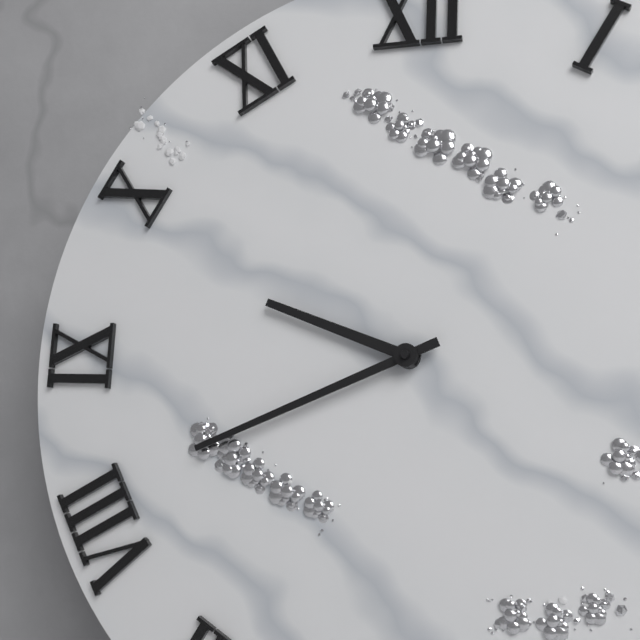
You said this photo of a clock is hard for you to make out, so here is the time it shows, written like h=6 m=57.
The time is h=9 m=41
